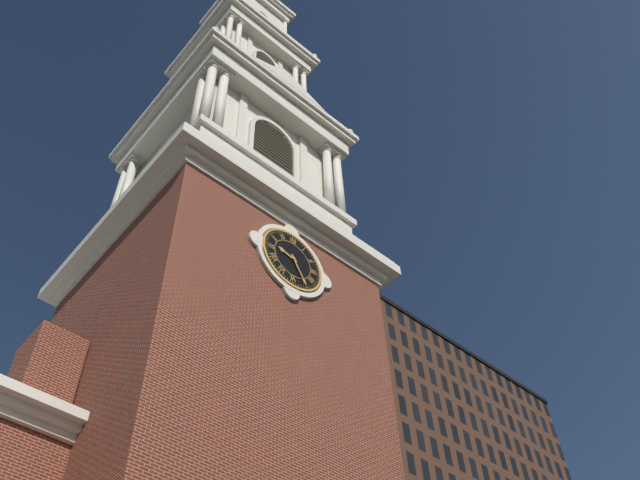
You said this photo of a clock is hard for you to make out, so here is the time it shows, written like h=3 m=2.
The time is h=9 m=25
